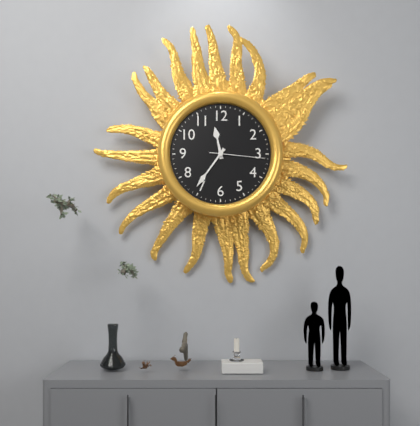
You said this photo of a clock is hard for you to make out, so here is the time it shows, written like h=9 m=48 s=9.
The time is h=11 m=36 s=16
